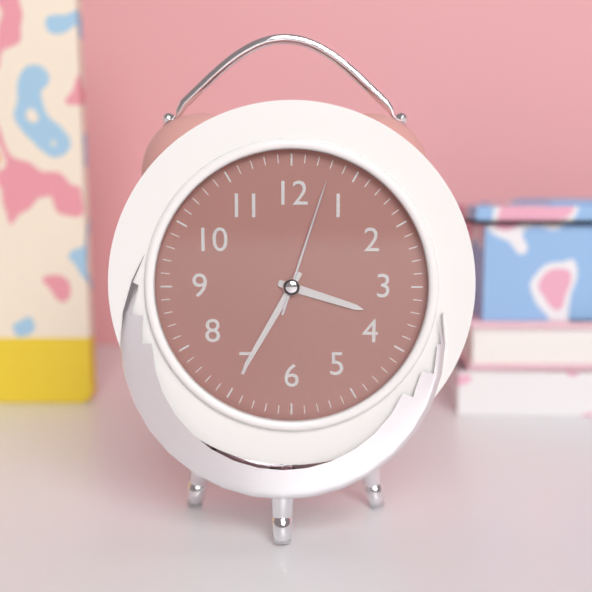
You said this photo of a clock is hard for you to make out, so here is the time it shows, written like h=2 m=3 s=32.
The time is h=3 m=35 s=3
